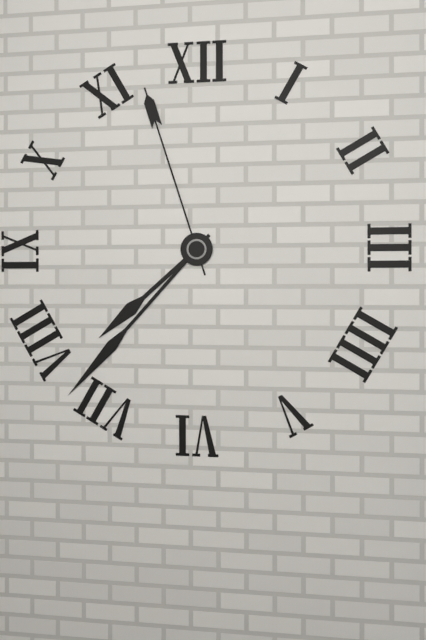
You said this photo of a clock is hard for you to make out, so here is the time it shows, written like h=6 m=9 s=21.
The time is h=7 m=37 s=57
